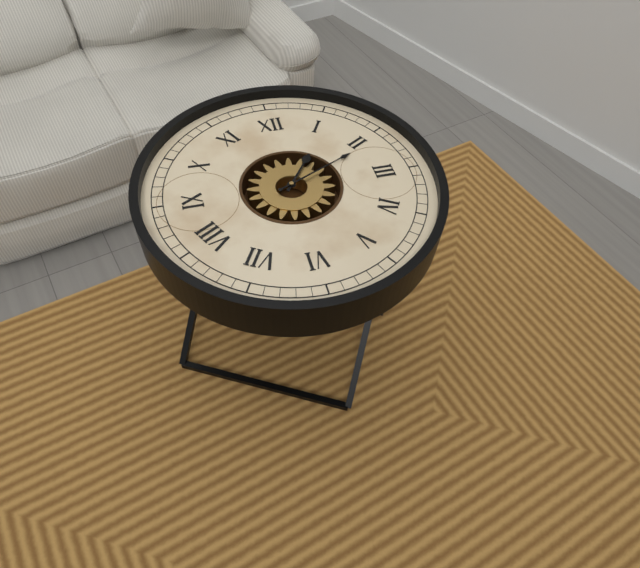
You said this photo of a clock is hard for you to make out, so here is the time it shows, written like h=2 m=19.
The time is h=1 m=11
